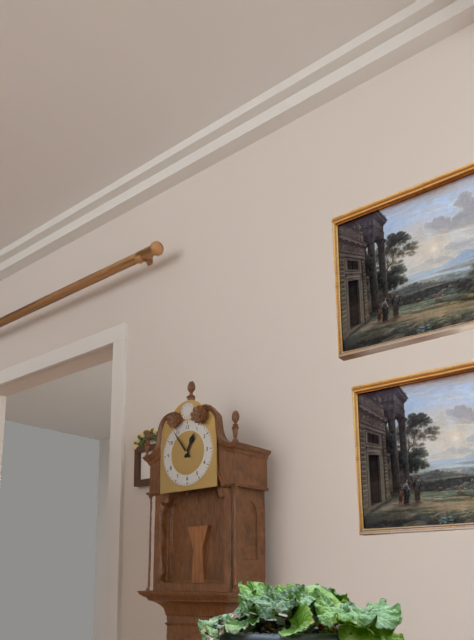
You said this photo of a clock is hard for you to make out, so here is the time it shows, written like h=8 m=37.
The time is h=12 m=54
